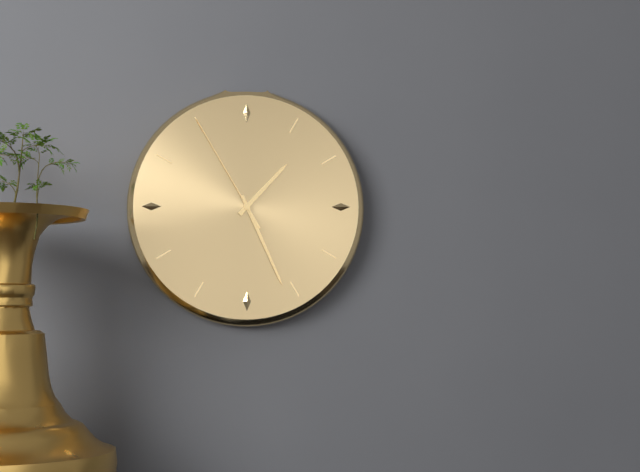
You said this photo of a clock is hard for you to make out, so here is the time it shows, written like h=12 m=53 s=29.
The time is h=1 m=26 s=55
